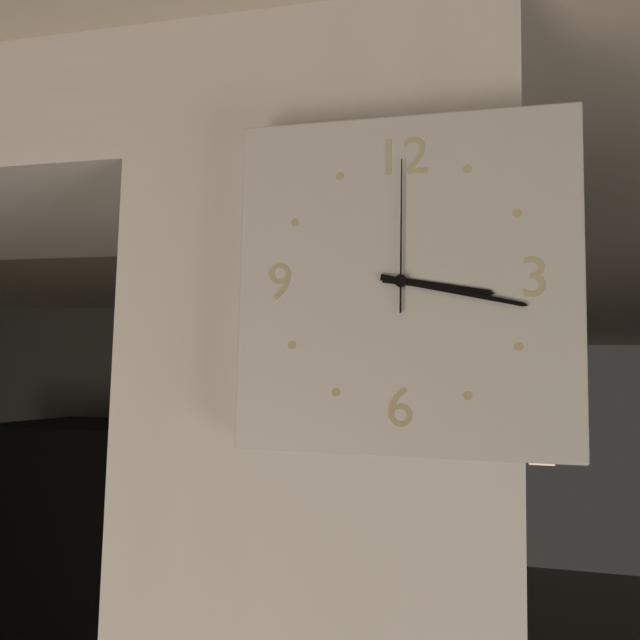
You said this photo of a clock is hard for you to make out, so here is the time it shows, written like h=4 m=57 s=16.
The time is h=3 m=17 s=0
